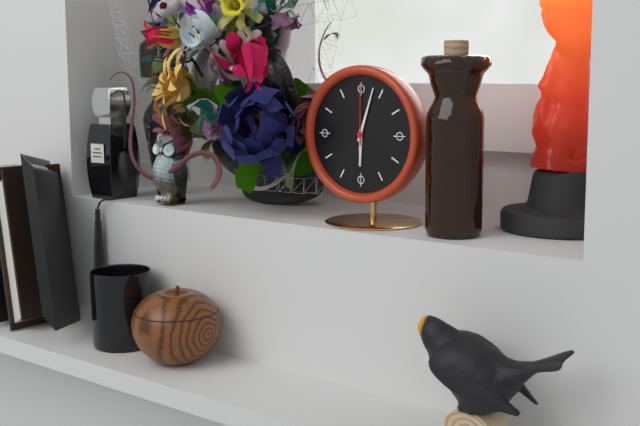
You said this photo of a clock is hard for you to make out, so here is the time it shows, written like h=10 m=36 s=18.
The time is h=6 m=3 s=0
